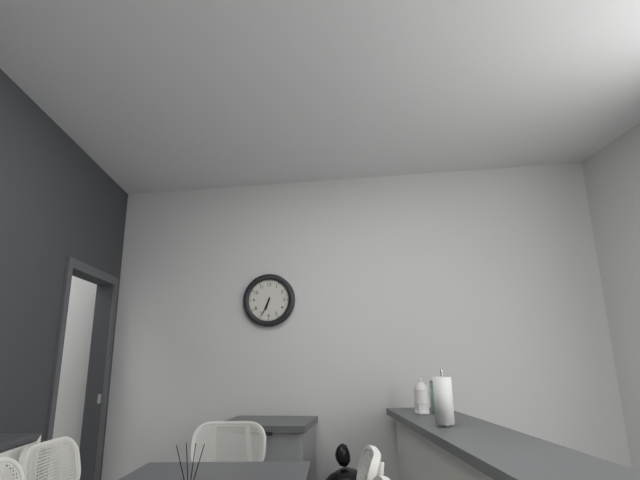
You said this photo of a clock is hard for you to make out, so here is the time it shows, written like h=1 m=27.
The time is h=6 m=34
